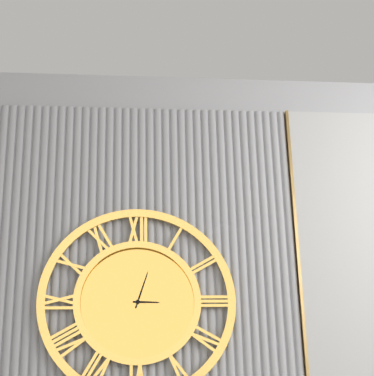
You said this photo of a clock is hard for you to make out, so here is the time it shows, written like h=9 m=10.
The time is h=3 m=3
